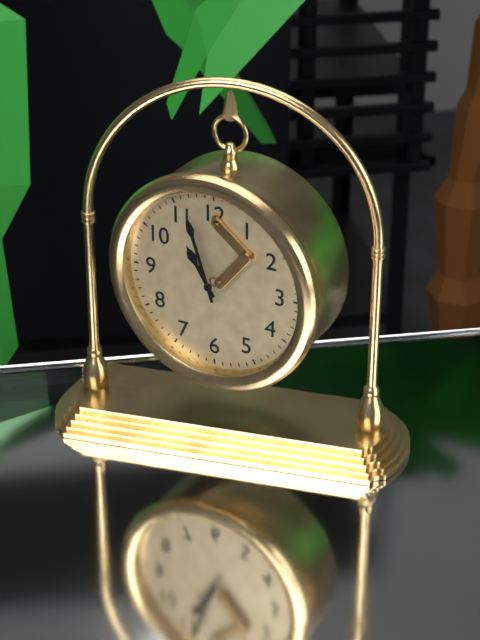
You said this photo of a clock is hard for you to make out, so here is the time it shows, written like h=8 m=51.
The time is h=10 m=57
